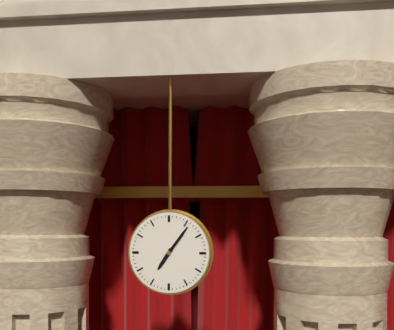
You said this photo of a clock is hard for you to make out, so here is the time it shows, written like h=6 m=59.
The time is h=7 m=6
